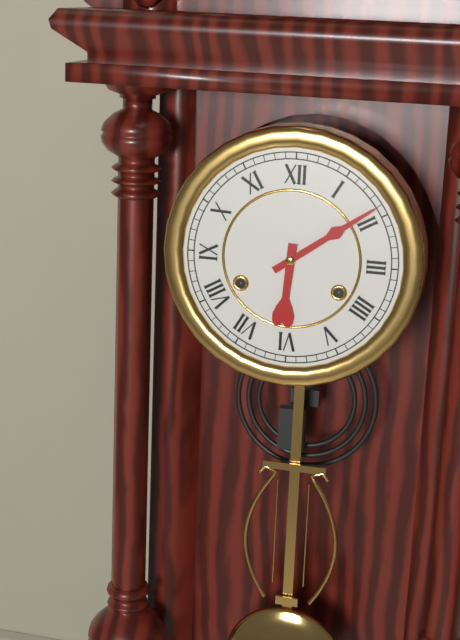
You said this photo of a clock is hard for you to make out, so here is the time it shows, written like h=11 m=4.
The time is h=6 m=9
